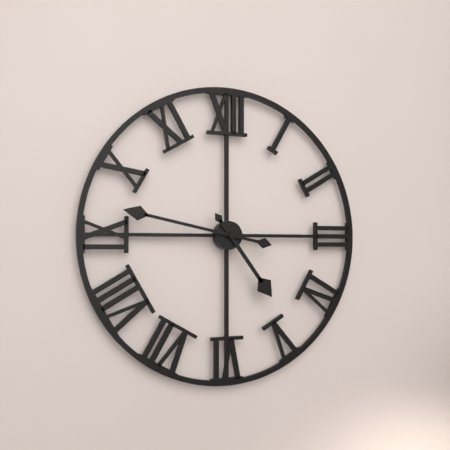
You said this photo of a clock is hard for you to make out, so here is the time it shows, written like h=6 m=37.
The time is h=4 m=47
